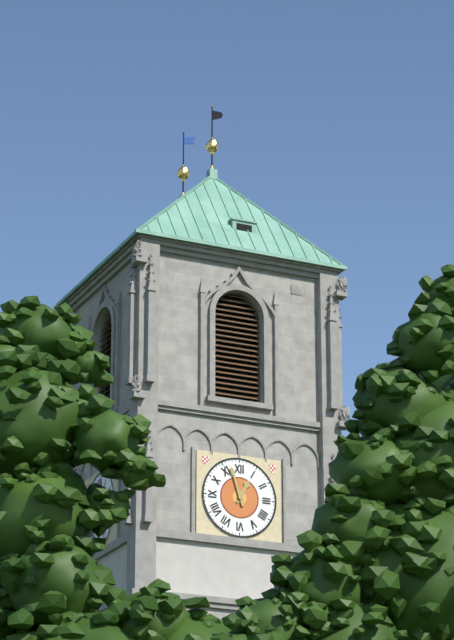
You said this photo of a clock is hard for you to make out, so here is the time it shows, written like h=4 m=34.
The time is h=12 m=57
